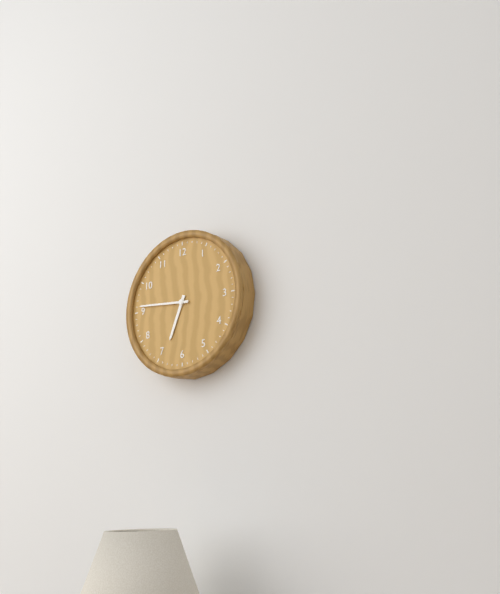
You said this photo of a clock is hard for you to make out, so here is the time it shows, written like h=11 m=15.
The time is h=6 m=46
